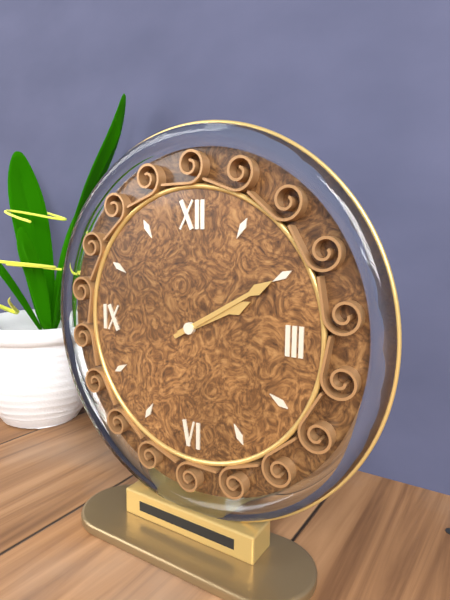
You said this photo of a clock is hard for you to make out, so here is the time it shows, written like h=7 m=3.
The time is h=2 m=10
